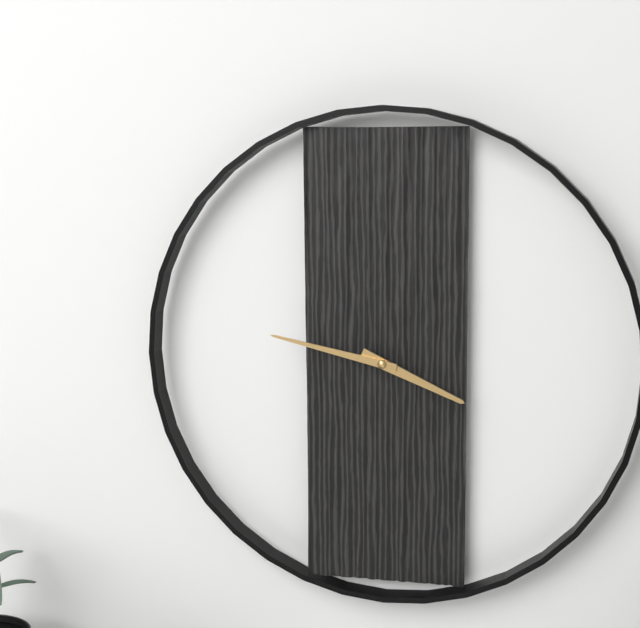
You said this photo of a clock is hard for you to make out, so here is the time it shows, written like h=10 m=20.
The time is h=3 m=47
